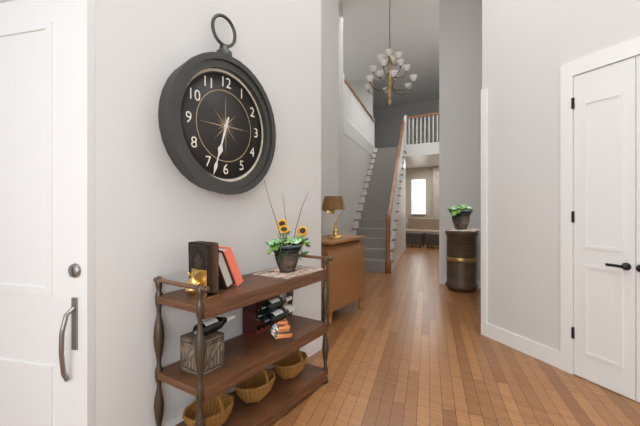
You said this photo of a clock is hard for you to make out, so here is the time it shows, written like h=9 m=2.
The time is h=6 m=33
